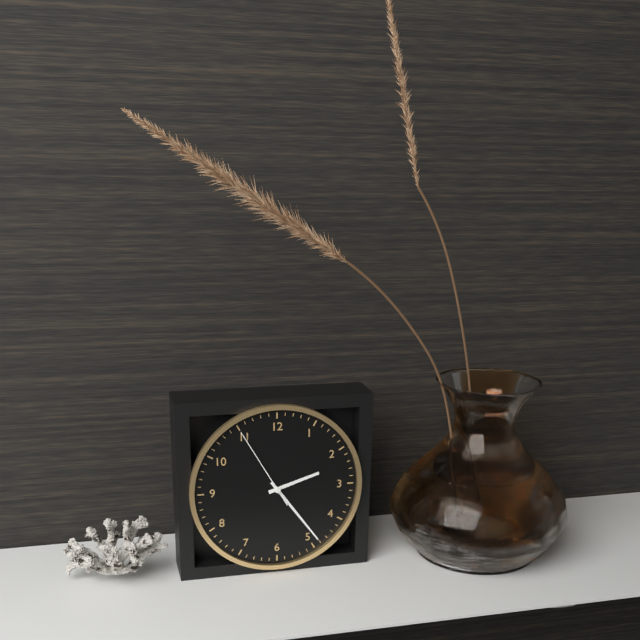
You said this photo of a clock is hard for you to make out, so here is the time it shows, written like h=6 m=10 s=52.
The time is h=2 m=24 s=55
